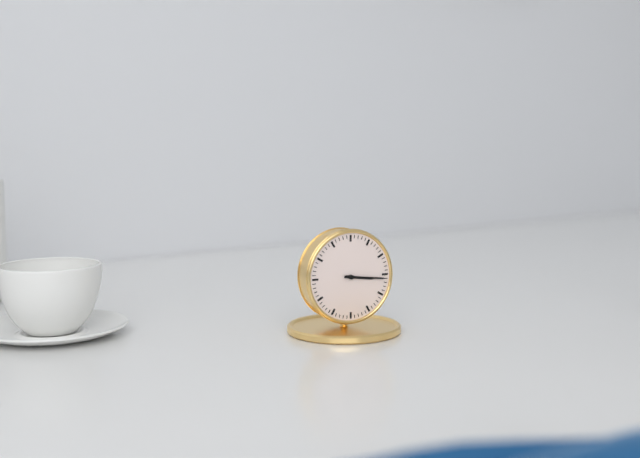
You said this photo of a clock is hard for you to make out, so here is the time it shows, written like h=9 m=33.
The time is h=3 m=16
